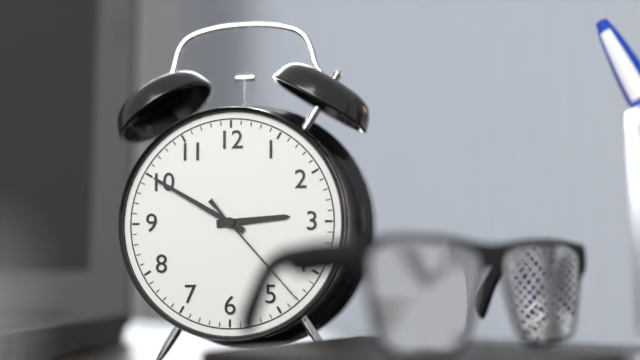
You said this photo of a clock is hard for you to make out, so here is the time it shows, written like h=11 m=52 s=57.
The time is h=2 m=50 s=23
